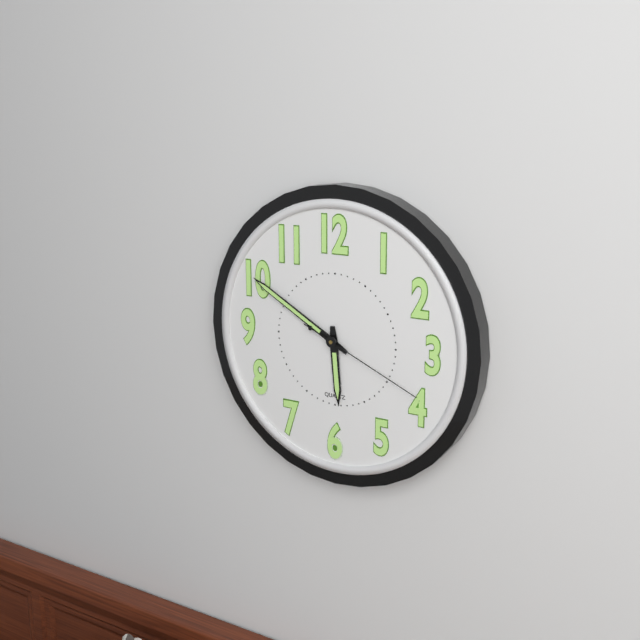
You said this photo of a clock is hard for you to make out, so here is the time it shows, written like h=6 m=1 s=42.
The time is h=5 m=50 s=19
